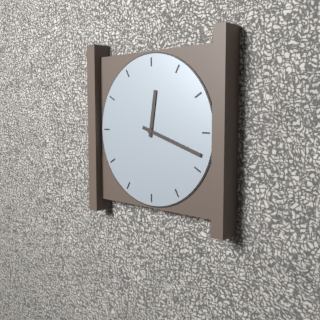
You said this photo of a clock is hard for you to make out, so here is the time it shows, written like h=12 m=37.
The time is h=12 m=18
